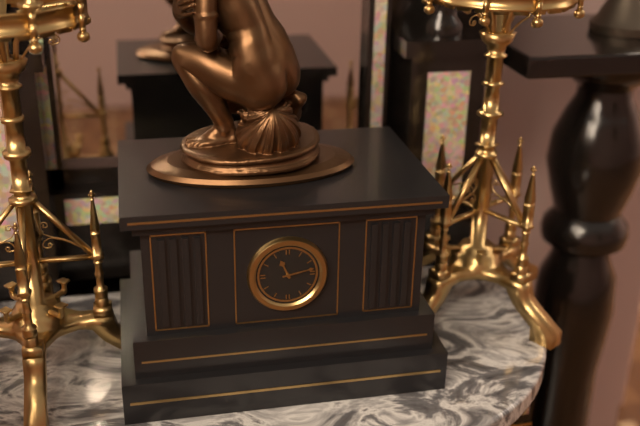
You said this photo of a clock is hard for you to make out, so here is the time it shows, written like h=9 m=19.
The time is h=11 m=13
